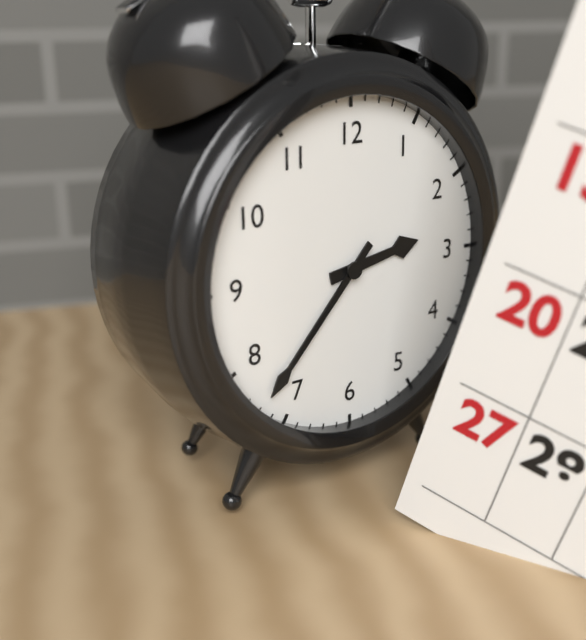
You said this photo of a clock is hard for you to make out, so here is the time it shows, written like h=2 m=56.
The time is h=2 m=37
